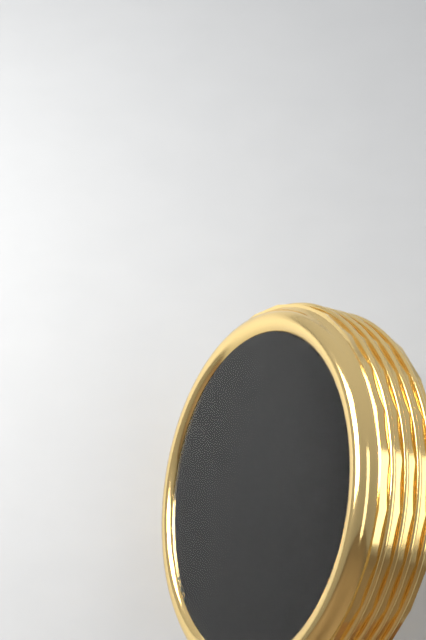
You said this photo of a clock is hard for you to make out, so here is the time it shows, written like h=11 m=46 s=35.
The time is h=8 m=10 s=20
